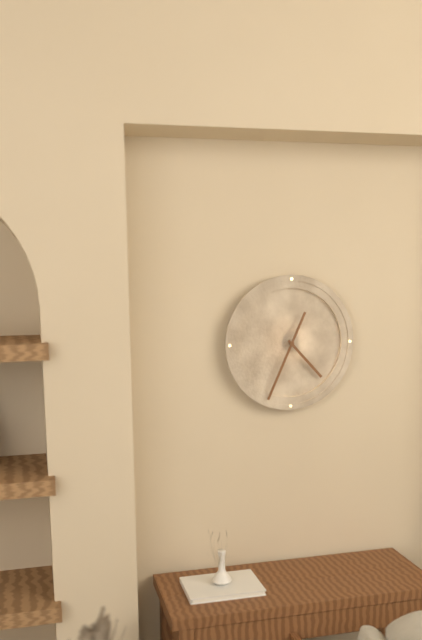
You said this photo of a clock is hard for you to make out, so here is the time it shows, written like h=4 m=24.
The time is h=4 m=34
